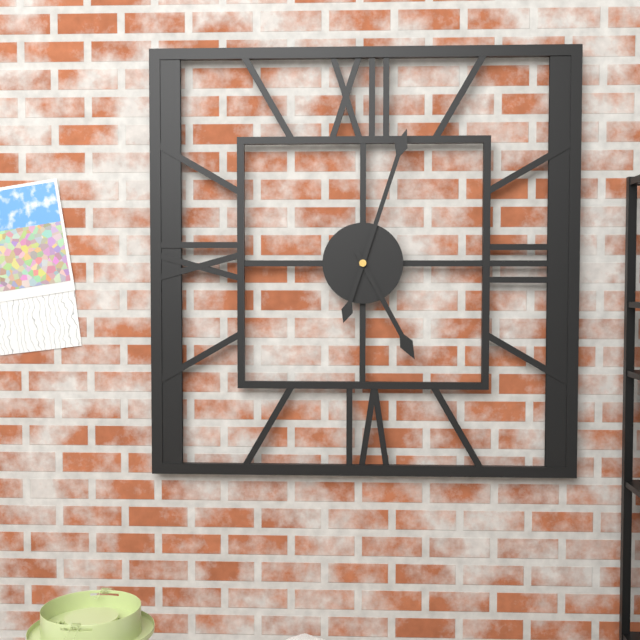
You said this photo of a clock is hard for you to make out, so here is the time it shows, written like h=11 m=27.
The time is h=5 m=3
